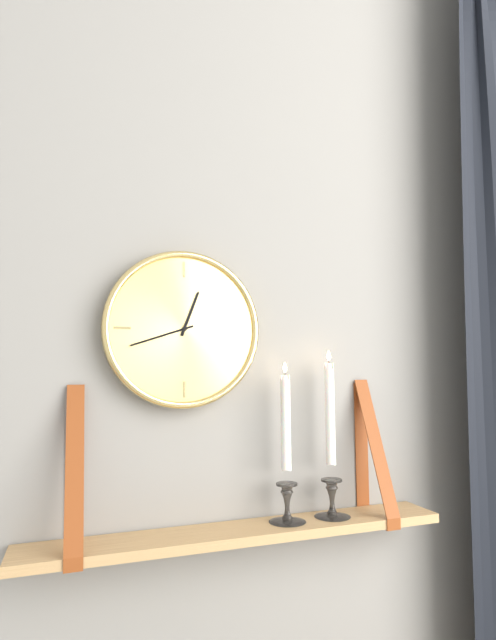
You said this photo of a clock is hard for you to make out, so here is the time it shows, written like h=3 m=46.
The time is h=12 m=42
